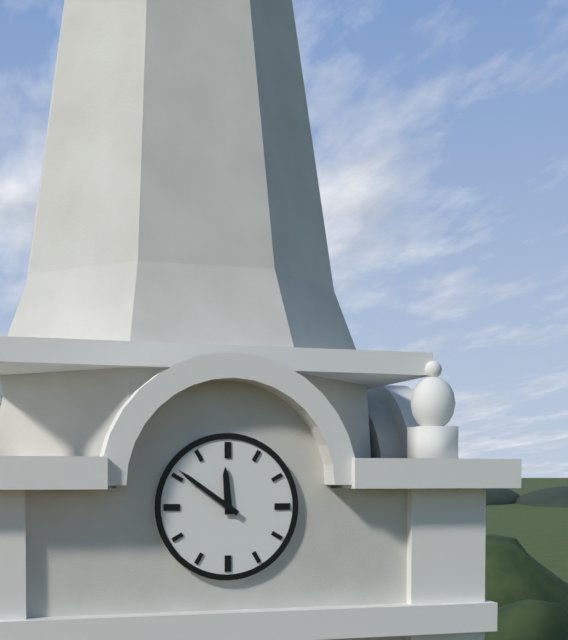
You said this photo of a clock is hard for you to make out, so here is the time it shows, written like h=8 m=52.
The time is h=11 m=51
